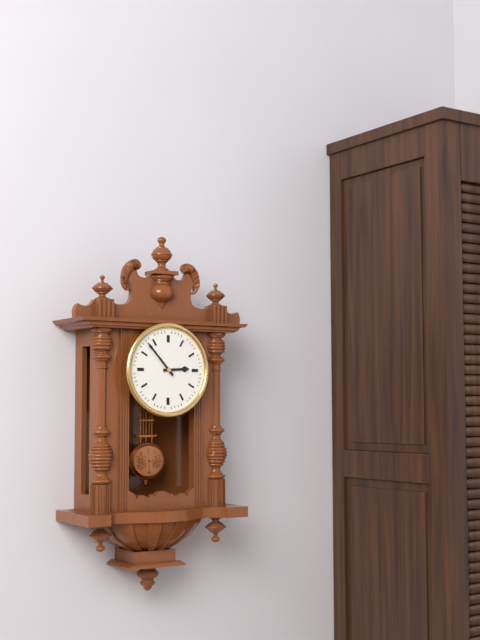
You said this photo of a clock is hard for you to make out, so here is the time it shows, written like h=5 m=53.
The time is h=2 m=53
